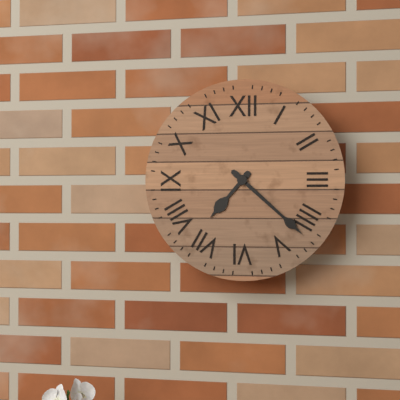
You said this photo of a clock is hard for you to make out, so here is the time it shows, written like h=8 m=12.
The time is h=7 m=22
